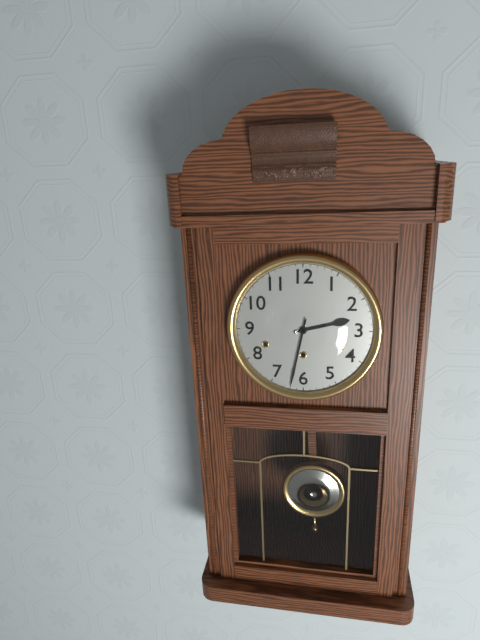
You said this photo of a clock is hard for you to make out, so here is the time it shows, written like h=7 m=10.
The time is h=2 m=32
